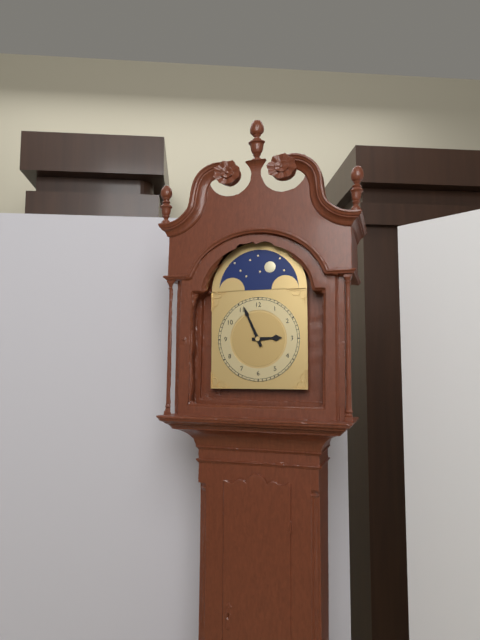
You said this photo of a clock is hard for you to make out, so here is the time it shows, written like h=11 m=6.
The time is h=2 m=56
